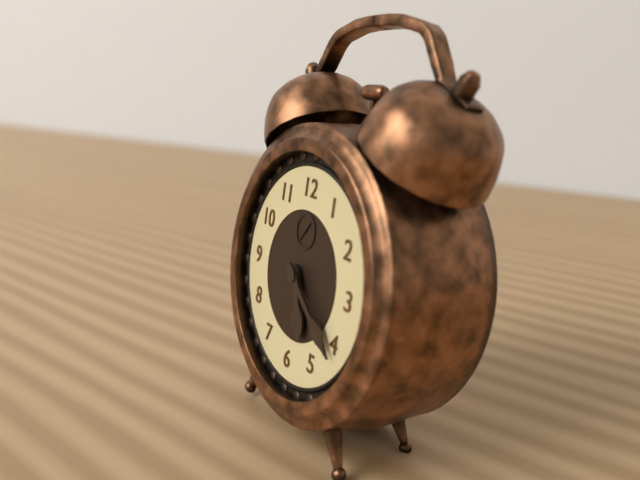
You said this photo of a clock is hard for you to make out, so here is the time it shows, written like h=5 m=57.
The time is h=5 m=21
